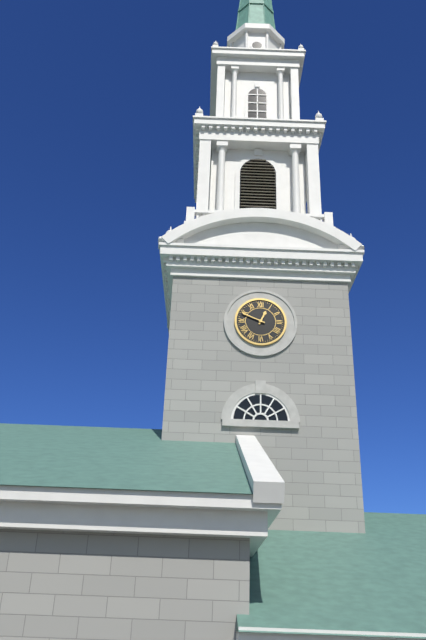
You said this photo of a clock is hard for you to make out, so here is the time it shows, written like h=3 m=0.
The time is h=12 m=49
